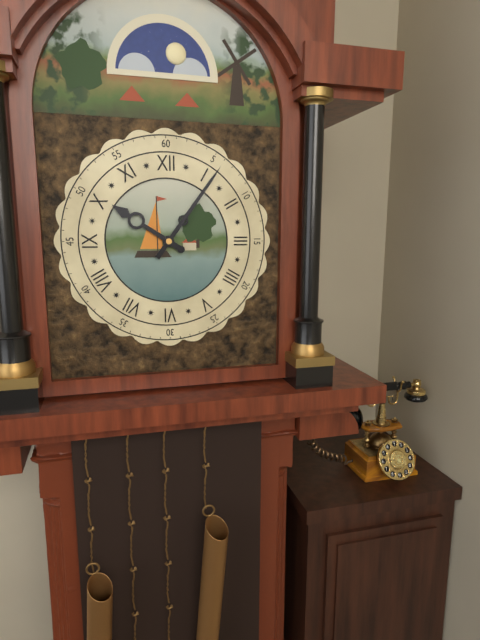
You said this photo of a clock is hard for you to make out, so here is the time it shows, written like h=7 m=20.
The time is h=10 m=6
